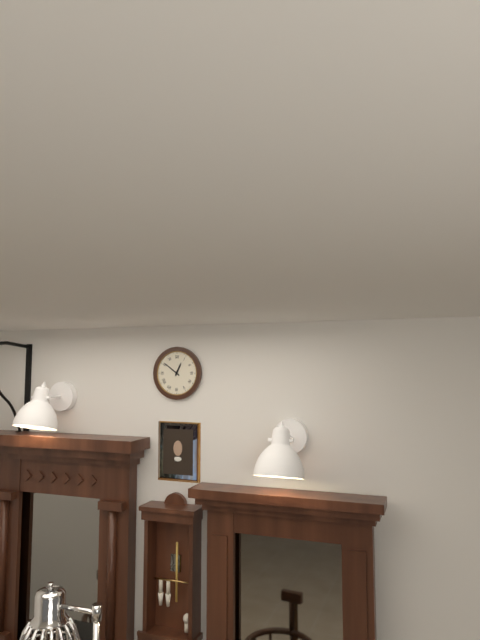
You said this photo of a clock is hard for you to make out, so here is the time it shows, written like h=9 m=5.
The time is h=12 m=51
